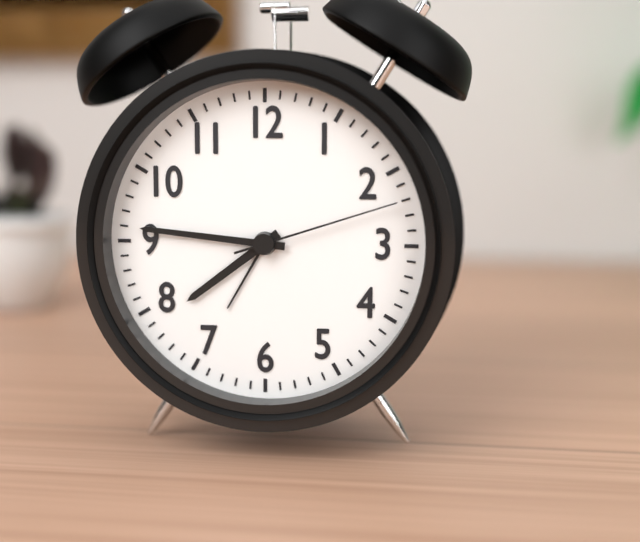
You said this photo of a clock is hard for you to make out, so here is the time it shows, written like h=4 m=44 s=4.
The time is h=7 m=46 s=12
